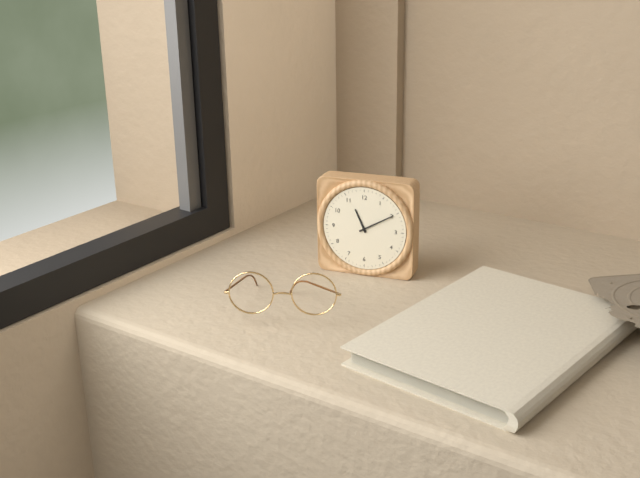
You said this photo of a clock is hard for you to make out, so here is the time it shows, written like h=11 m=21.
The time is h=11 m=10
